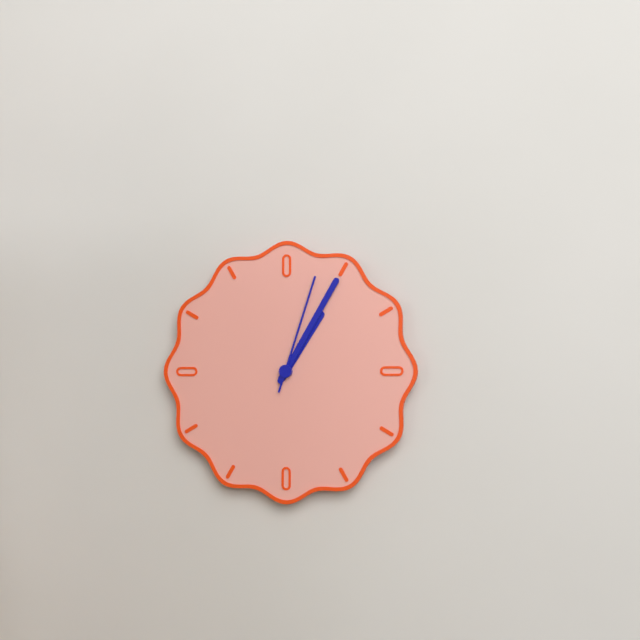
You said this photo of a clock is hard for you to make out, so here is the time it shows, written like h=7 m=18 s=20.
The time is h=1 m=5 s=3
